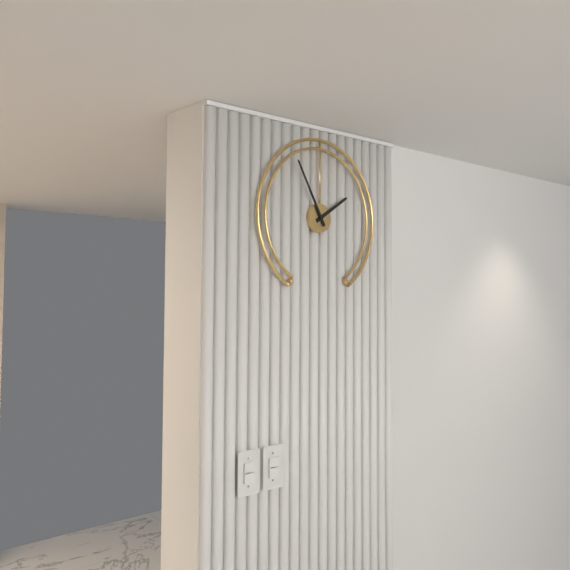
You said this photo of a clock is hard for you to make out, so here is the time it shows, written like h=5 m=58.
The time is h=1 m=55
